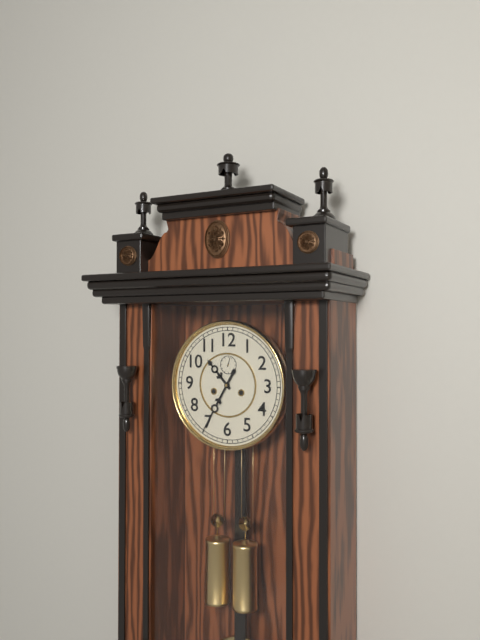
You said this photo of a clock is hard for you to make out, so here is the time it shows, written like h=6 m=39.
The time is h=10 m=35
